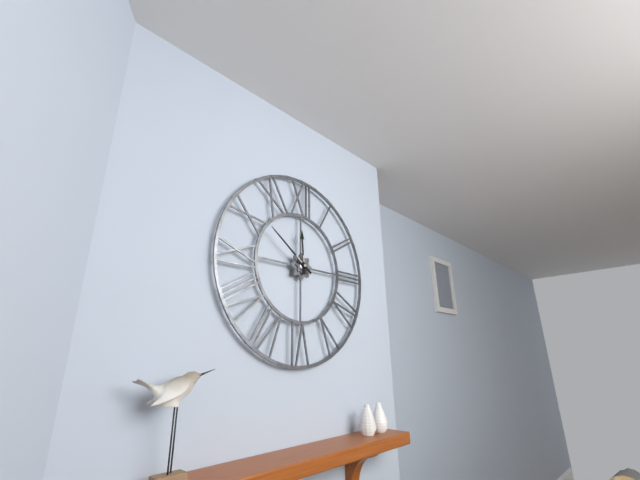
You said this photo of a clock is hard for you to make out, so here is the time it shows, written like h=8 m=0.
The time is h=11 m=51
